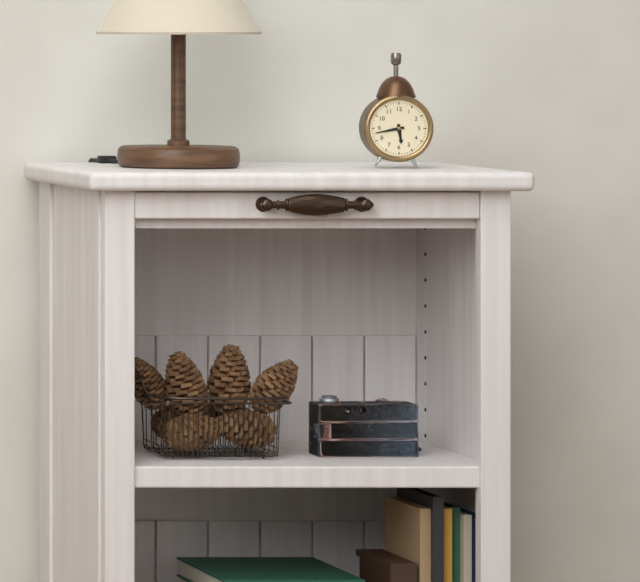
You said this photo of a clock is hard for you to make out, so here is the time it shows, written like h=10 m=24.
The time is h=5 m=43
